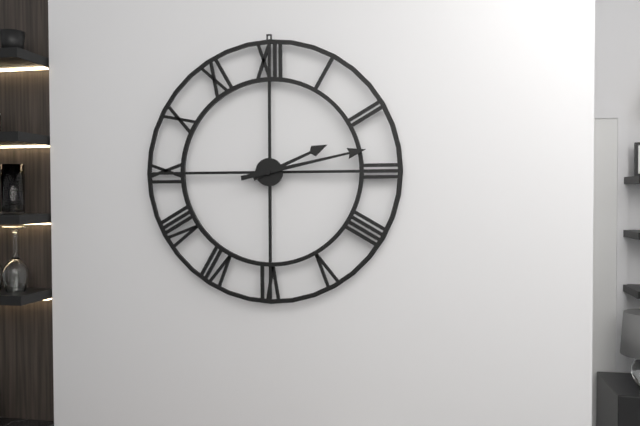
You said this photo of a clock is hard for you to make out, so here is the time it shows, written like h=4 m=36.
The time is h=2 m=13
